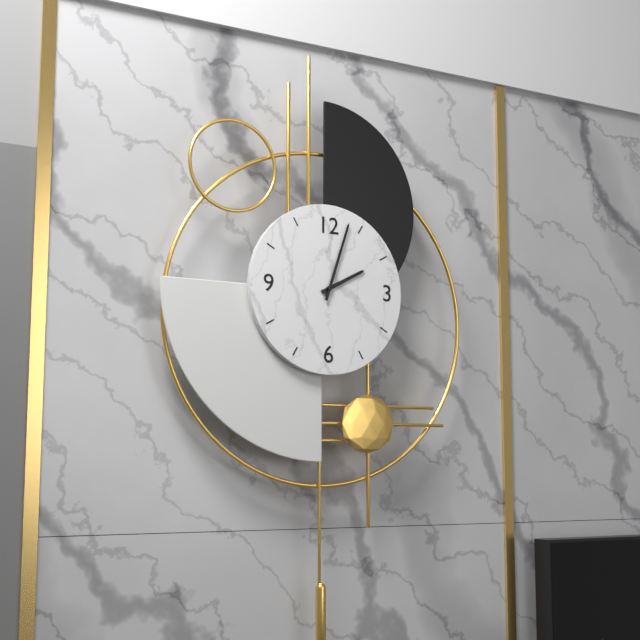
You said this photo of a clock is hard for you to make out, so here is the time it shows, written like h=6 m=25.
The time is h=2 m=3
